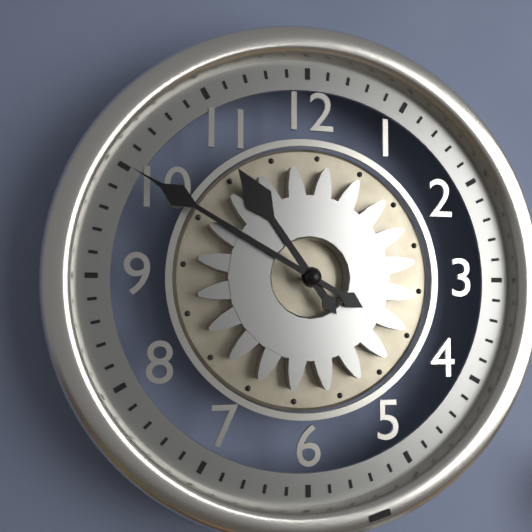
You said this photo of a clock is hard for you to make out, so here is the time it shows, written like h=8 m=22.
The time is h=10 m=50
